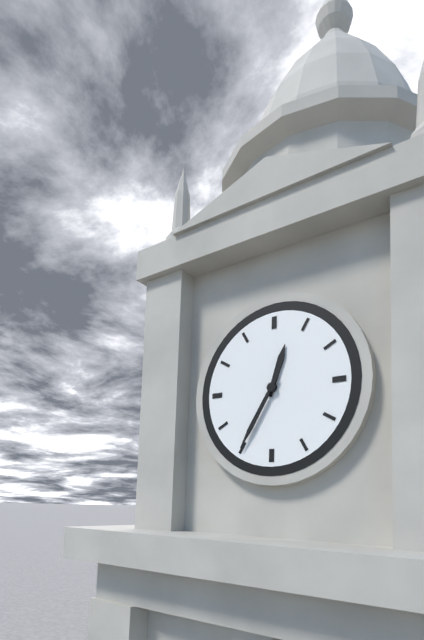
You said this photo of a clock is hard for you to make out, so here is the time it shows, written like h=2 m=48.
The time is h=12 m=35
